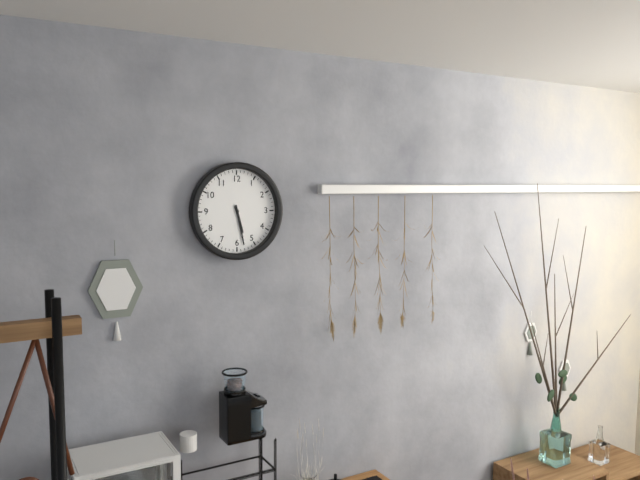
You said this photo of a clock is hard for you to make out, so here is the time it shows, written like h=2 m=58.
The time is h=5 m=28
